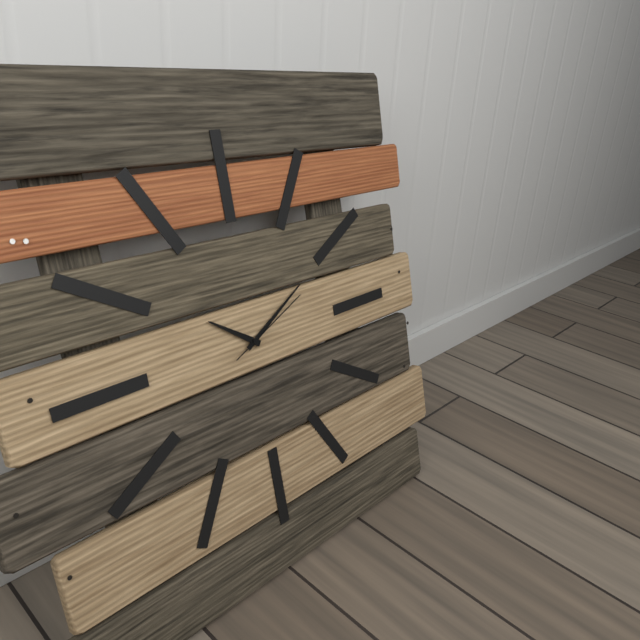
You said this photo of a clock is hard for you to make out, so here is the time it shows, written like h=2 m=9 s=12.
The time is h=10 m=10 s=11
